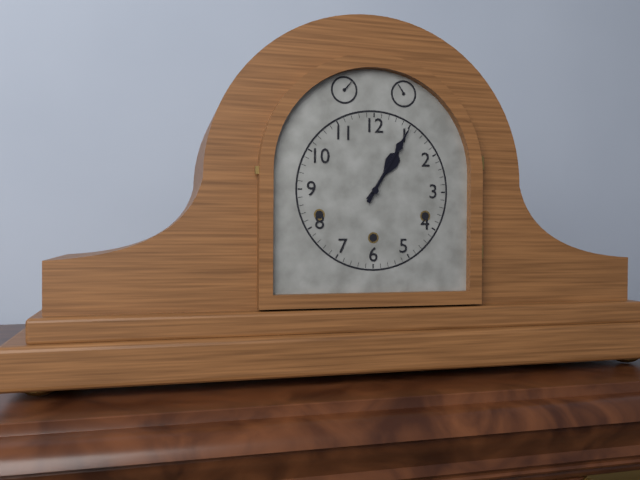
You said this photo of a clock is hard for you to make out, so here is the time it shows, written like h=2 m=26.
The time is h=1 m=5
